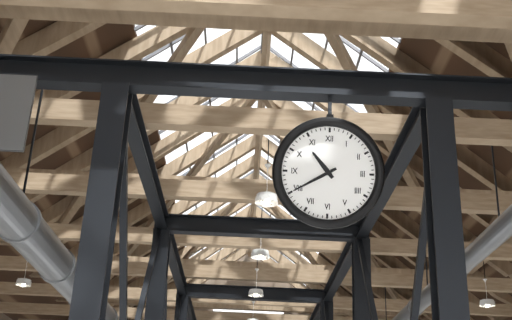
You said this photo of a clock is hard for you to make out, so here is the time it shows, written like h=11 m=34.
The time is h=10 m=40
